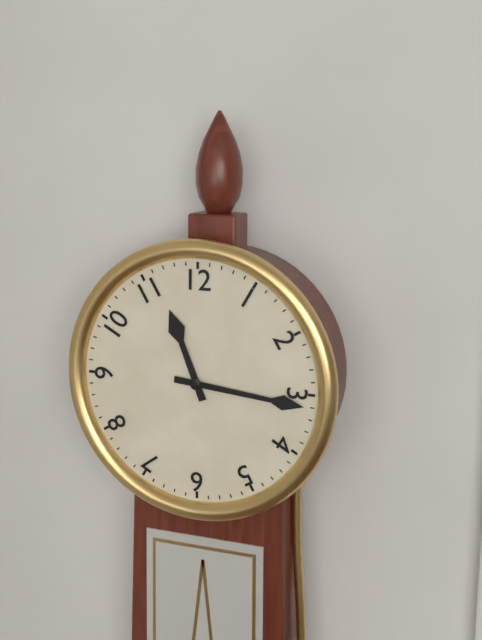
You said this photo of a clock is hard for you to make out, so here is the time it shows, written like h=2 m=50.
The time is h=11 m=16
